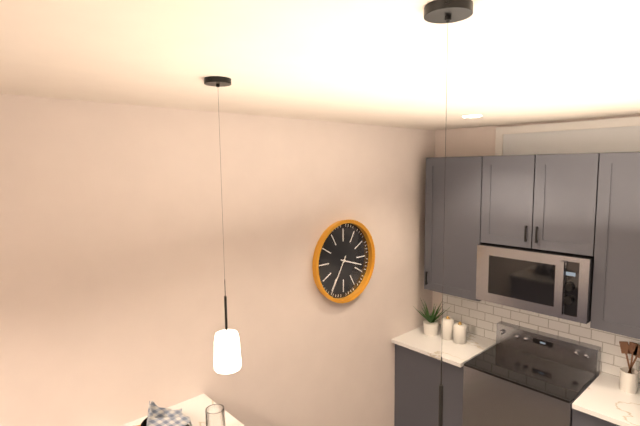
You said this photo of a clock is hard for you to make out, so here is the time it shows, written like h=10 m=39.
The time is h=3 m=35
